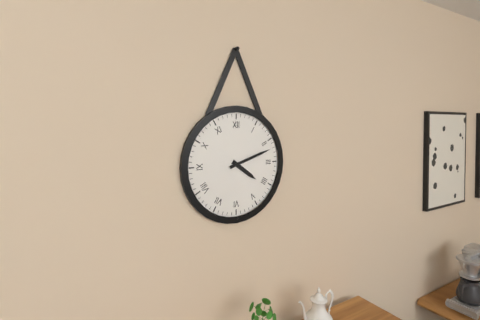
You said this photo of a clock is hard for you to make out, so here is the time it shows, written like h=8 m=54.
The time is h=4 m=12
